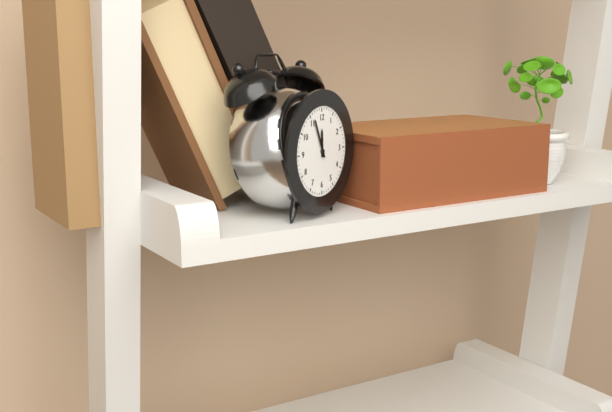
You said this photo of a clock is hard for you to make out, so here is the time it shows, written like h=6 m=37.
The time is h=11 m=56
